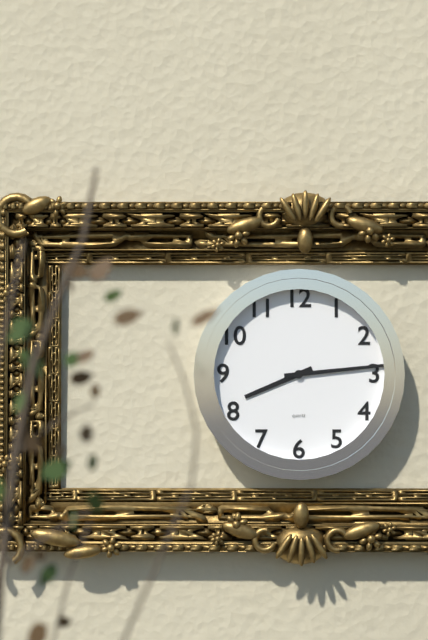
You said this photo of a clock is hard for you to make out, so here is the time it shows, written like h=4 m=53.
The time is h=8 m=14
